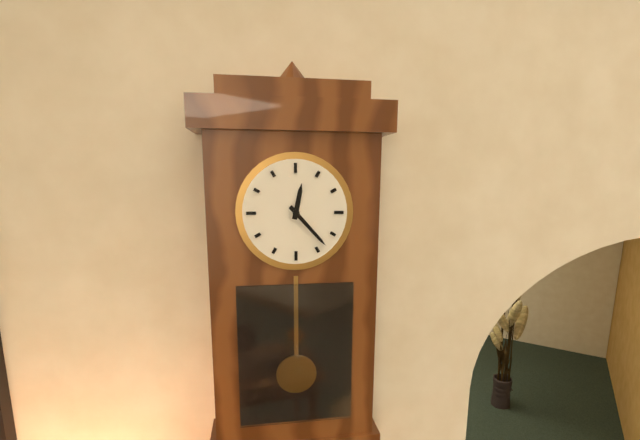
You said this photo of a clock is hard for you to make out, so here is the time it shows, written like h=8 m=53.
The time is h=12 m=23
